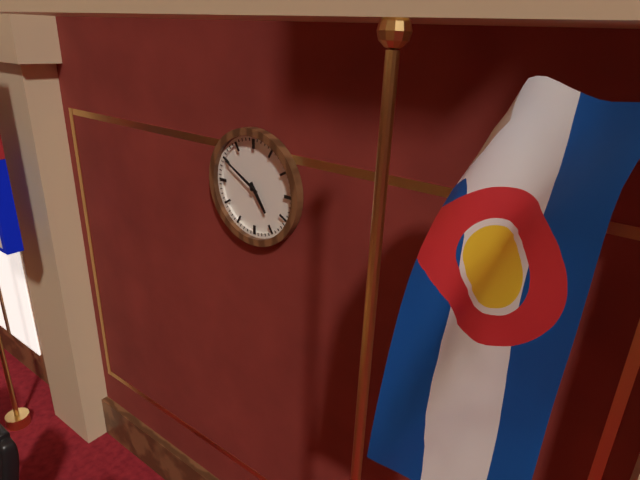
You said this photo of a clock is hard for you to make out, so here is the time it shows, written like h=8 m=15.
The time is h=4 m=50
